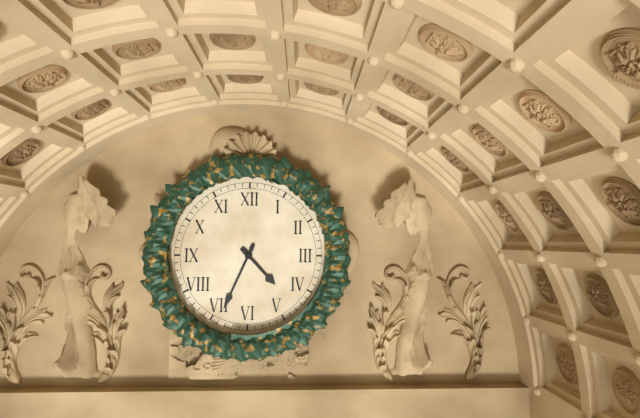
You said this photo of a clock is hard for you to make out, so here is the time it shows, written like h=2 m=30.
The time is h=4 m=34
